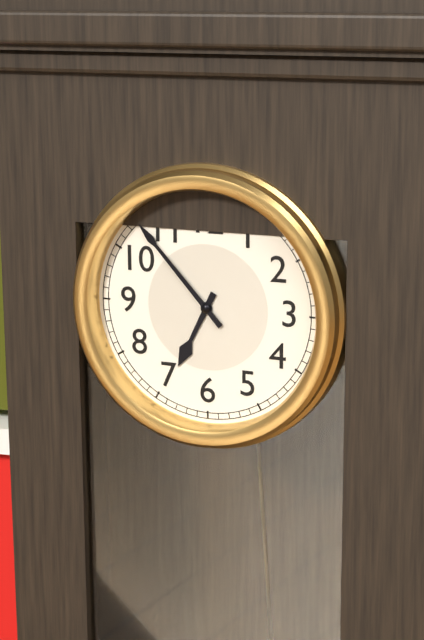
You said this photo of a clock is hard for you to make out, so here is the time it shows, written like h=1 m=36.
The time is h=6 m=53
